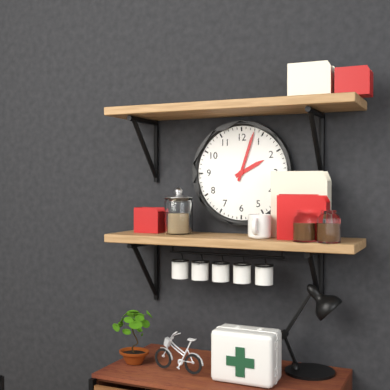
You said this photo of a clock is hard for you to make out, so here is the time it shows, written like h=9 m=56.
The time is h=2 m=3
